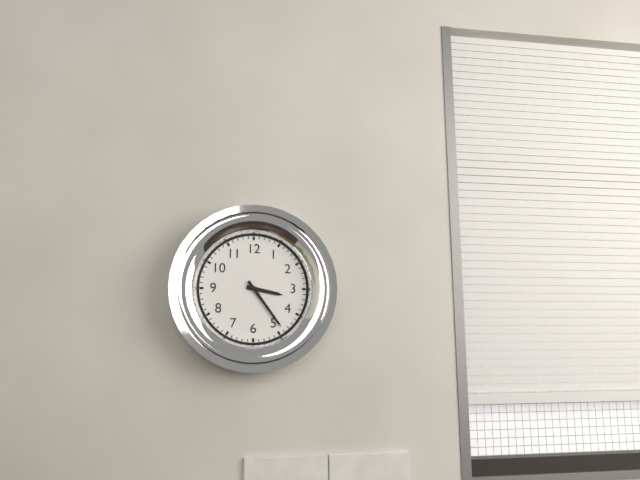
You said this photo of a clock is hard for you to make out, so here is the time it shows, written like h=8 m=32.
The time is h=3 m=24
